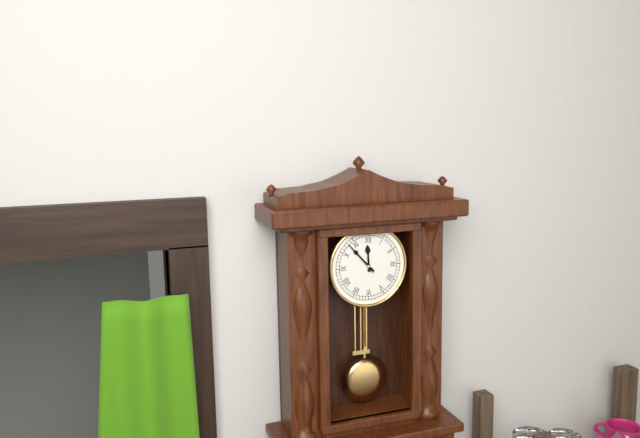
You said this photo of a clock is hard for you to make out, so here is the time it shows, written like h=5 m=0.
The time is h=11 m=53
